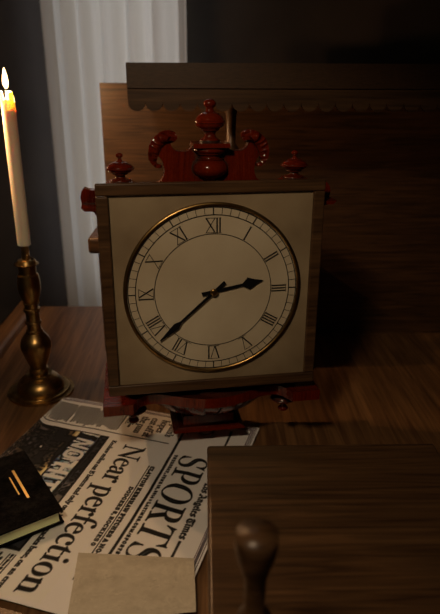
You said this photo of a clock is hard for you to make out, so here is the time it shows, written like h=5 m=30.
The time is h=2 m=38
